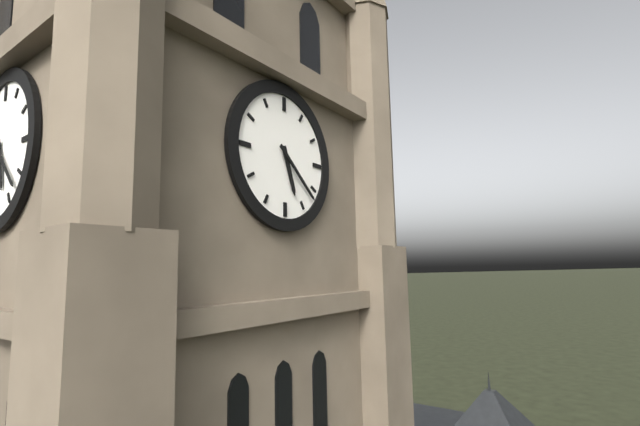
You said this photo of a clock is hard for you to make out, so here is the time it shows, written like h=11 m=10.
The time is h=5 m=22
